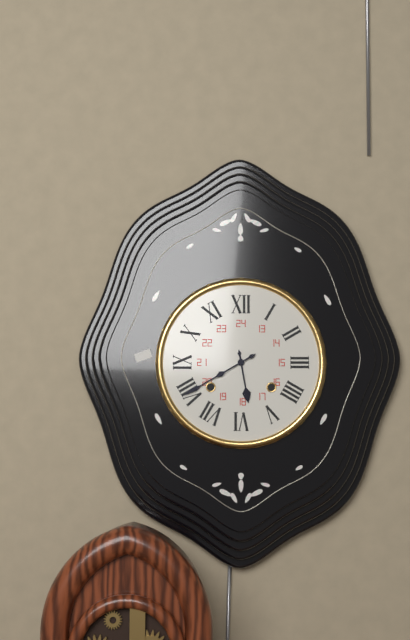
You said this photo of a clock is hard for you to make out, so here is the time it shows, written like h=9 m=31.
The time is h=5 m=40
